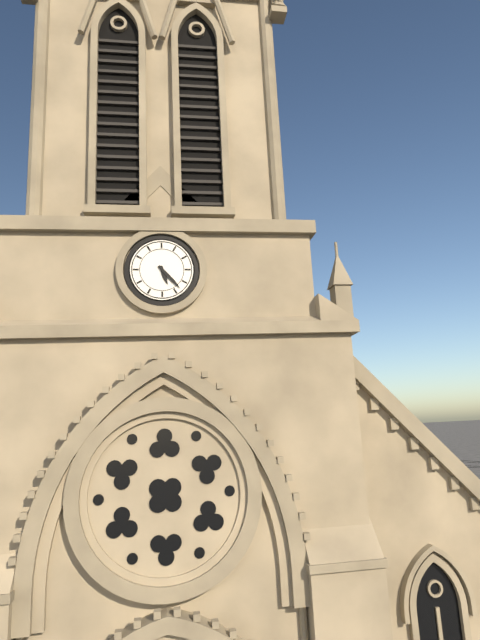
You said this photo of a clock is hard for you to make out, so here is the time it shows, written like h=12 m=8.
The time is h=5 m=23
